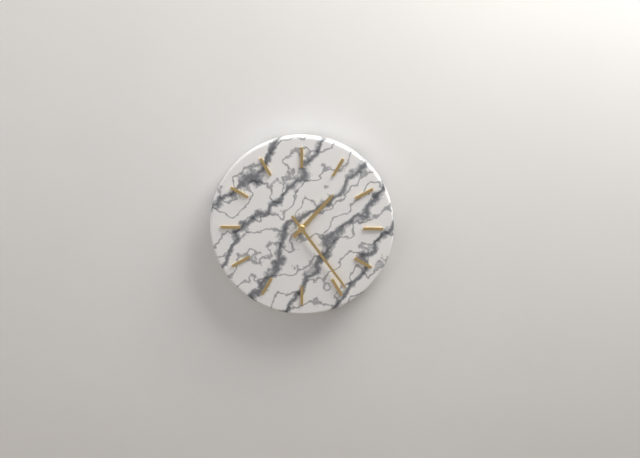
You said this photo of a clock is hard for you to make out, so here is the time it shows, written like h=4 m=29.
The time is h=1 m=24
